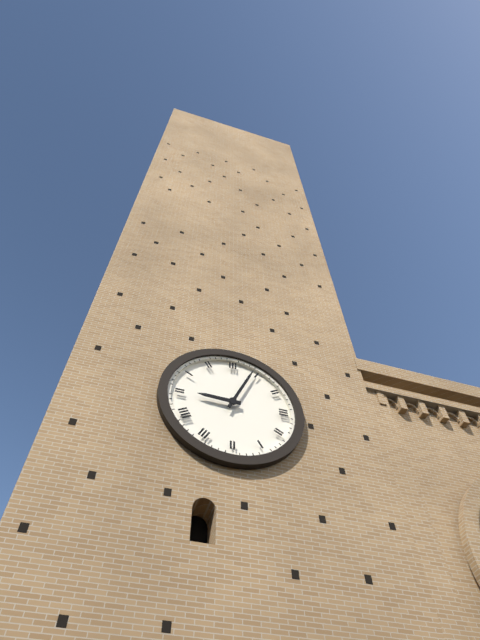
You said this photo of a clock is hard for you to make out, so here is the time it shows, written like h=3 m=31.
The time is h=9 m=4
